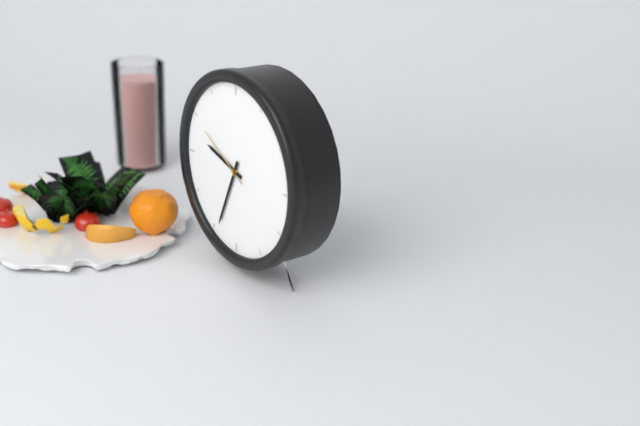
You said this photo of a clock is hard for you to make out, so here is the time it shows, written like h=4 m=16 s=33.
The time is h=9 m=34 s=50
